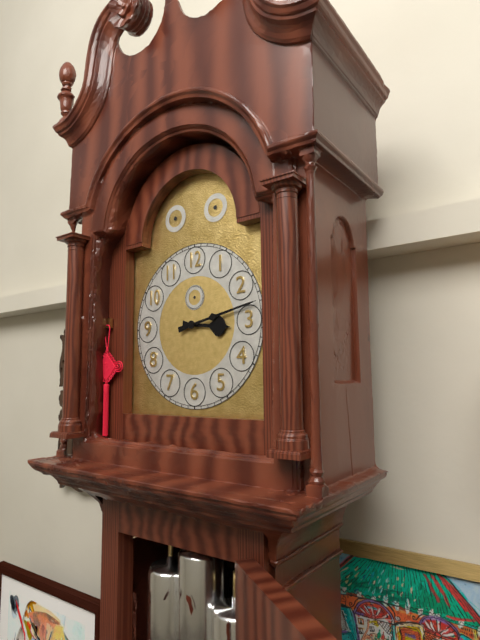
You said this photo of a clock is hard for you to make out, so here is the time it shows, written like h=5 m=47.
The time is h=3 m=13
